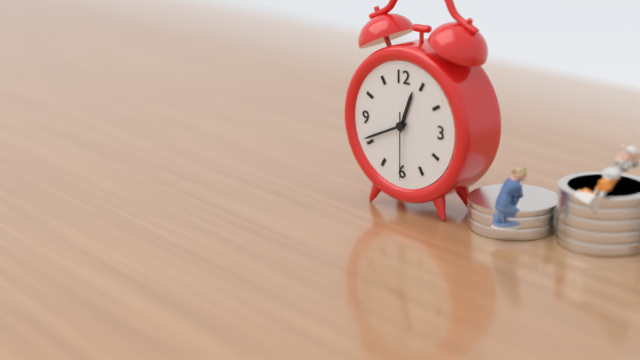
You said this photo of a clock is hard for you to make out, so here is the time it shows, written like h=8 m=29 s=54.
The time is h=12 m=41 s=30
